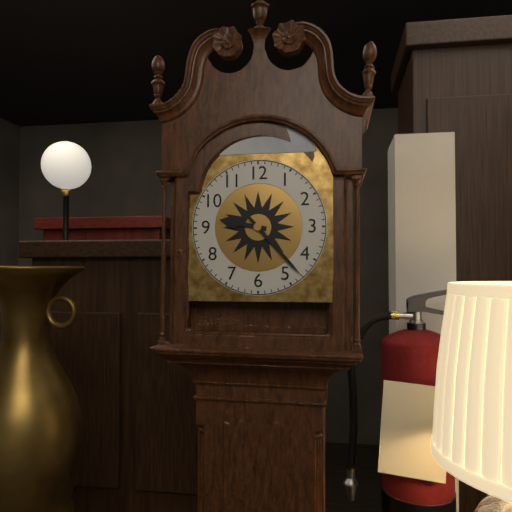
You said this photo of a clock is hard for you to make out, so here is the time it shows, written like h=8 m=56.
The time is h=9 m=23
